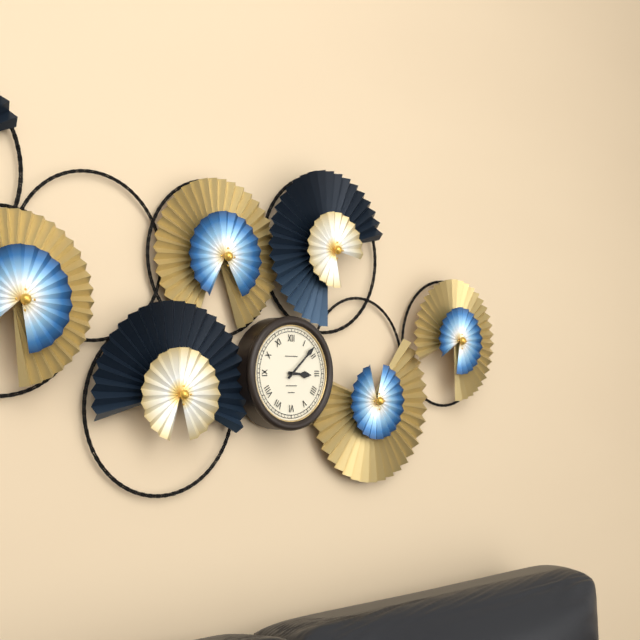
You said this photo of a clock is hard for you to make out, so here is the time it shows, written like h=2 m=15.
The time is h=3 m=8
